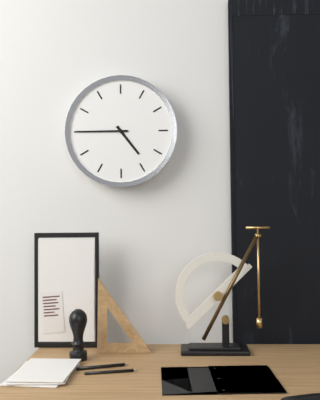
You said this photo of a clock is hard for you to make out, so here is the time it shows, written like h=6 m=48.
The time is h=4 m=45
